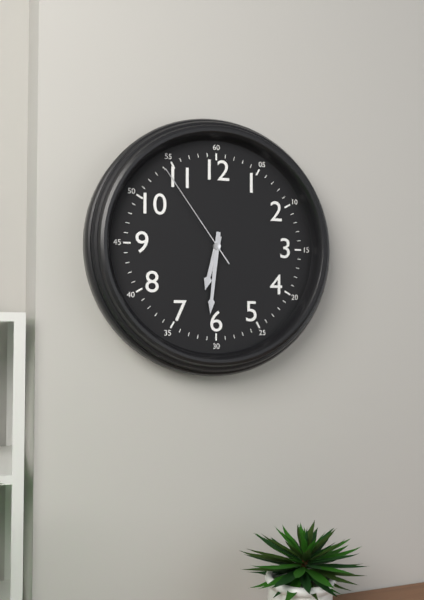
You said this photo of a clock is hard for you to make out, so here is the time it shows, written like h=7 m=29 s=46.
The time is h=6 m=31 s=54
